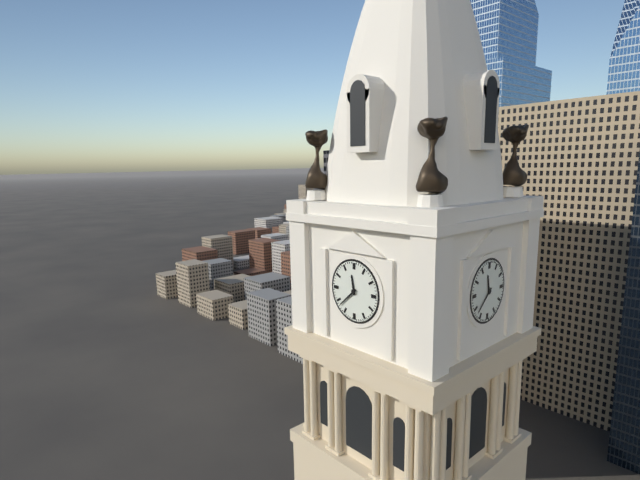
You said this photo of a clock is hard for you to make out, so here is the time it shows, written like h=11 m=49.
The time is h=11 m=38
